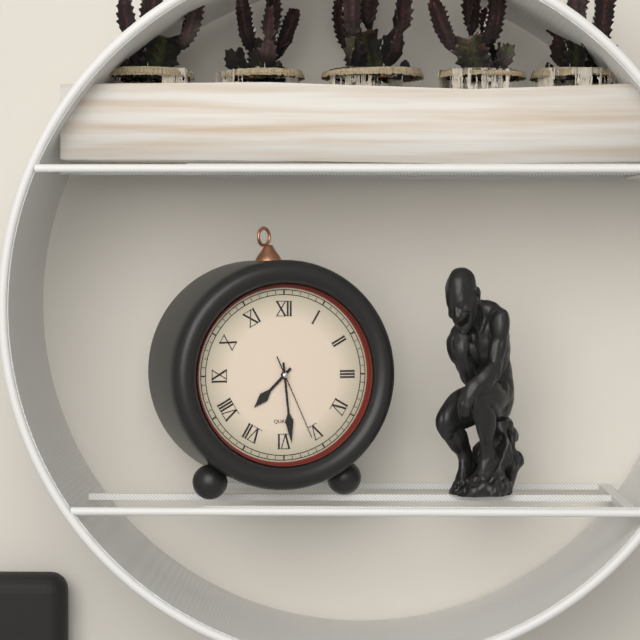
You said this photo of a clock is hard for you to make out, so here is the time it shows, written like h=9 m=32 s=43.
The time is h=7 m=29 s=26
